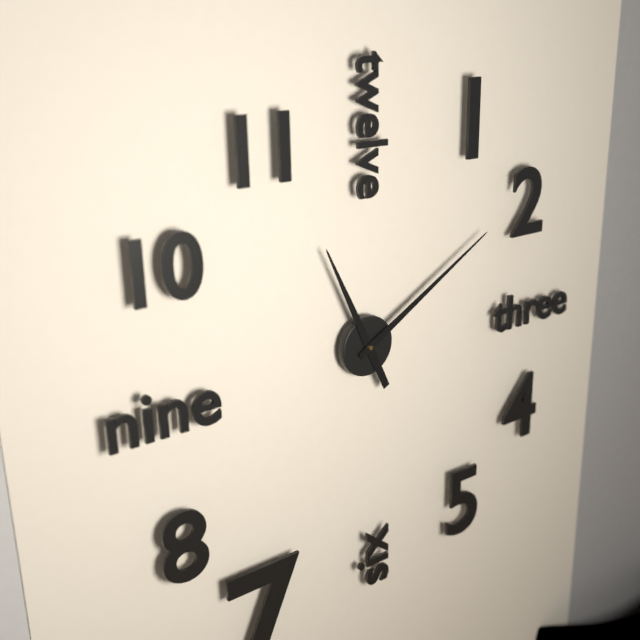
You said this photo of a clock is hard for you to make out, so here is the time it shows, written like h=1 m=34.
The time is h=11 m=10
